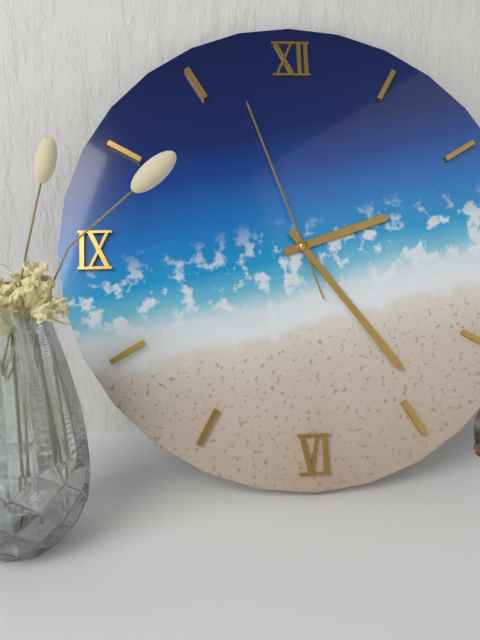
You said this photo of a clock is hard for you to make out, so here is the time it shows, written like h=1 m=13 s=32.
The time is h=2 m=24 s=57
